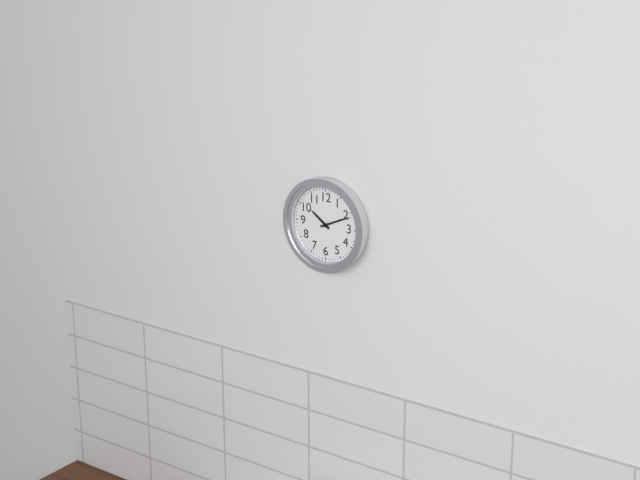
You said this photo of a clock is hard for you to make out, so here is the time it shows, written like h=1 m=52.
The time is h=10 m=11
